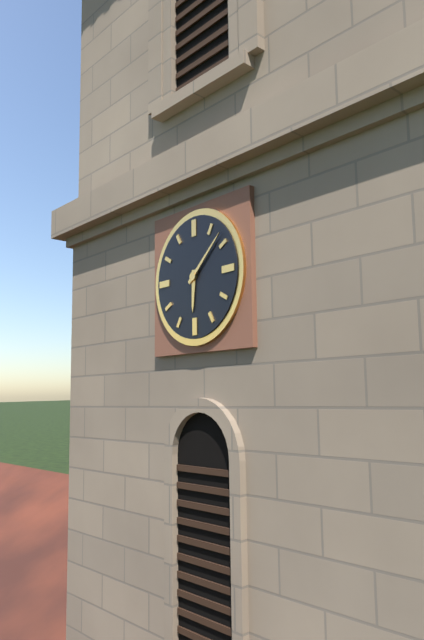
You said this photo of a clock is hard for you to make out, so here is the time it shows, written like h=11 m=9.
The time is h=6 m=8
